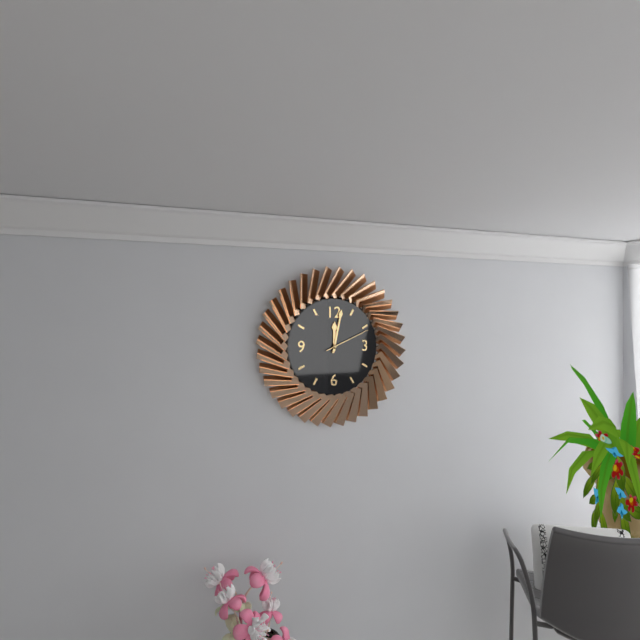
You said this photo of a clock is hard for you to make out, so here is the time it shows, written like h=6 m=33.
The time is h=12 m=2
